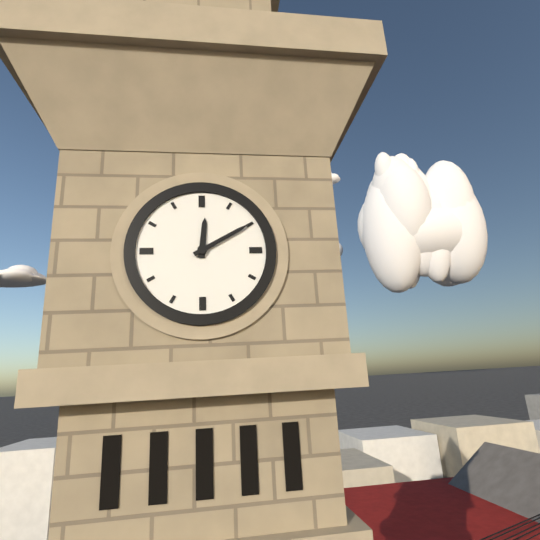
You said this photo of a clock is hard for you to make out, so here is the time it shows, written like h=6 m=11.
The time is h=12 m=10
